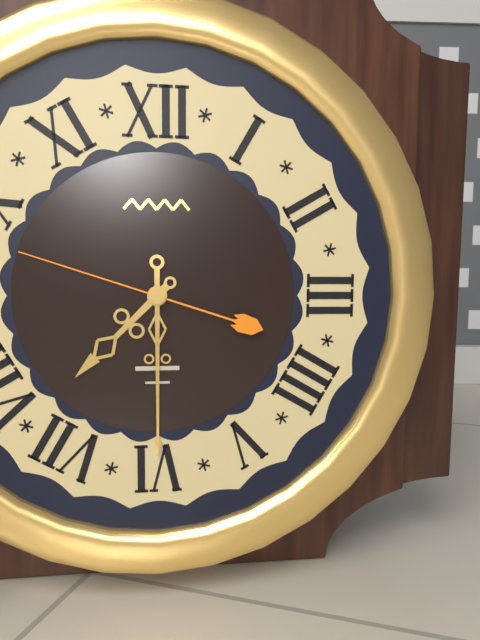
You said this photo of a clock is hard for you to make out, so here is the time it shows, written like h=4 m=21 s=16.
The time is h=7 m=30 s=48
